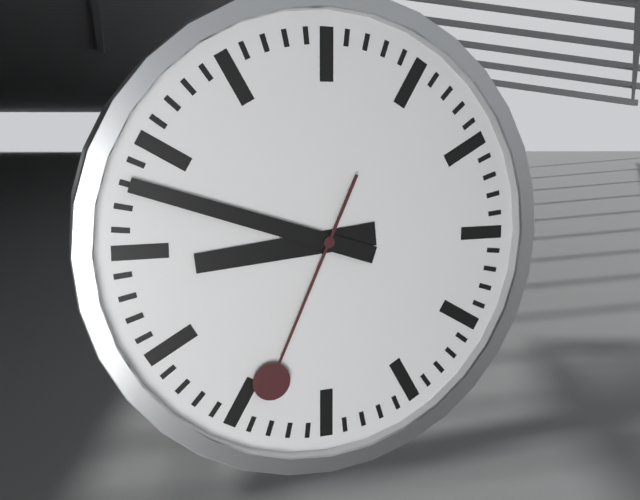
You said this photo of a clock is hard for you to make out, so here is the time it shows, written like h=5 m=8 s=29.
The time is h=8 m=48 s=34
